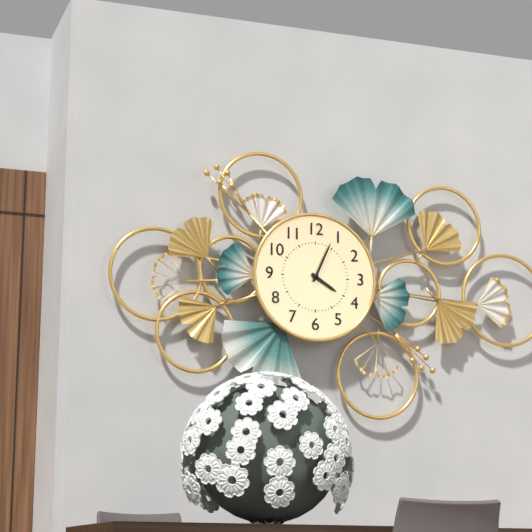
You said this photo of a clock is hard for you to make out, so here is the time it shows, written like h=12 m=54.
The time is h=4 m=4
